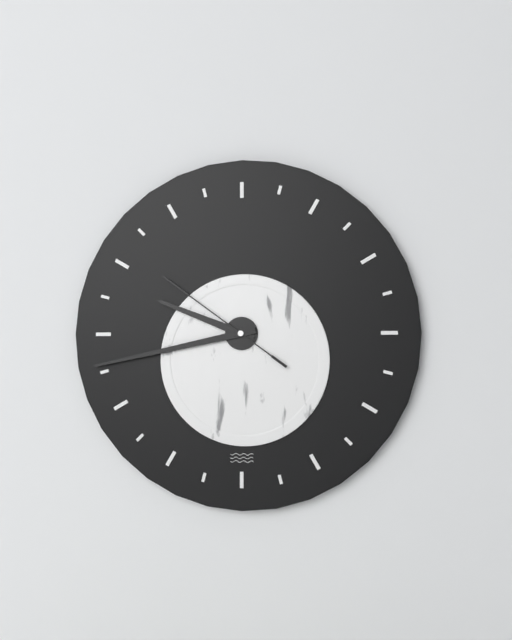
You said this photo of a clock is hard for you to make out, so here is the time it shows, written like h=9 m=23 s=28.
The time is h=9 m=43 s=51
